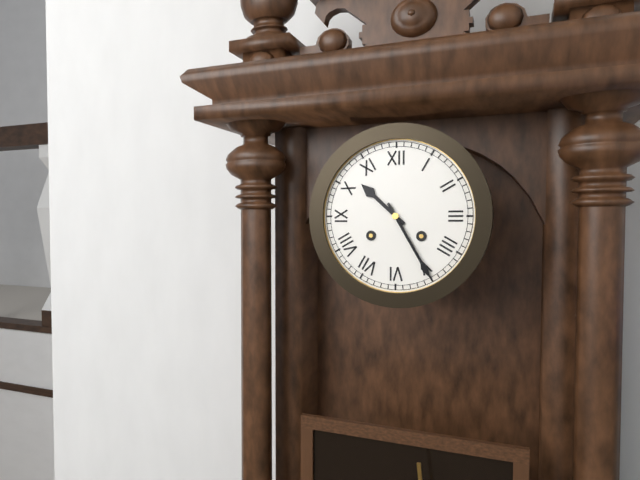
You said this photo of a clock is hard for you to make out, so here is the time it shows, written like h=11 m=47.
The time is h=10 m=25
